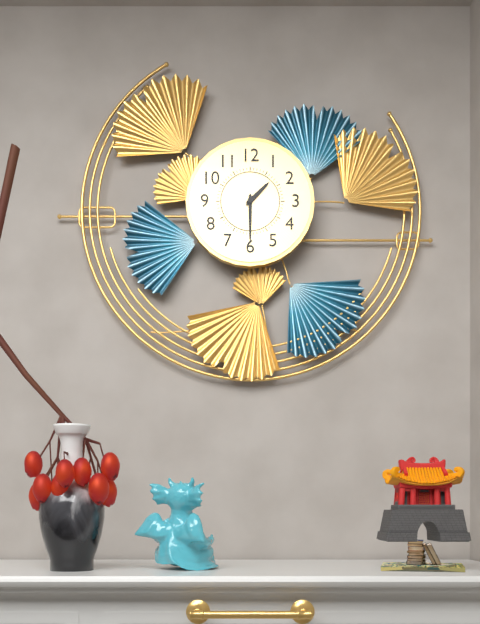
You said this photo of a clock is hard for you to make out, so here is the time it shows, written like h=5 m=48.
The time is h=1 m=30
